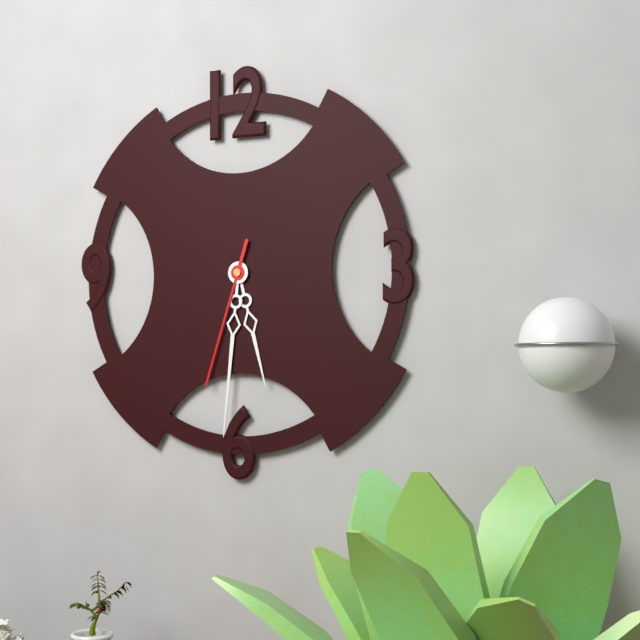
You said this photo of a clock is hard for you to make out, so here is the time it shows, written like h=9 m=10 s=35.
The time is h=5 m=31 s=33
